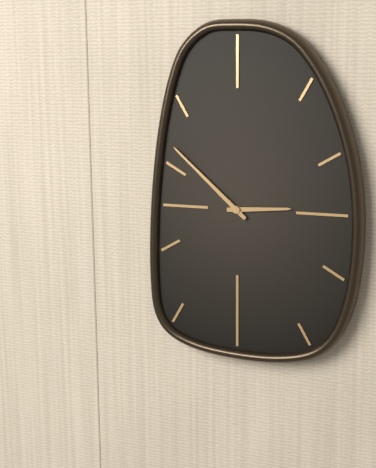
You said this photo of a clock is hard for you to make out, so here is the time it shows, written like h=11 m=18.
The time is h=2 m=52
